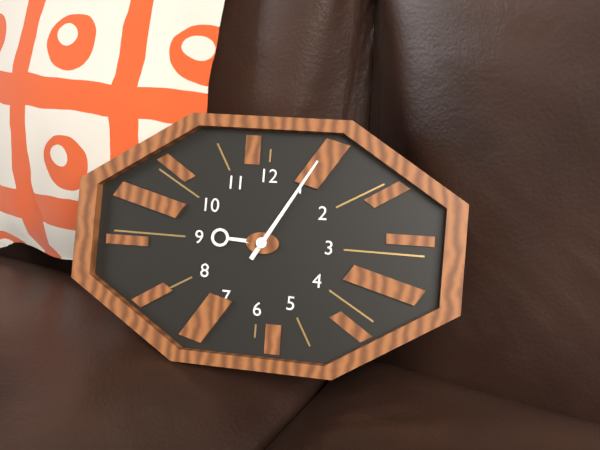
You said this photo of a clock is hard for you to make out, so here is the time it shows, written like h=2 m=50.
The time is h=9 m=5
